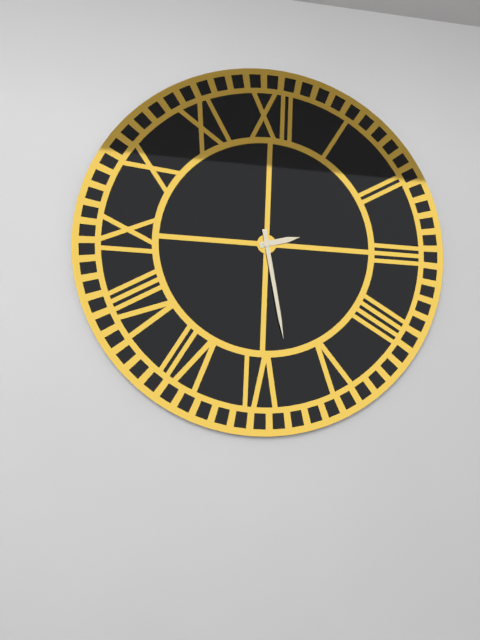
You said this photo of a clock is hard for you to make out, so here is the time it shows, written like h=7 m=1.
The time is h=2 m=28
